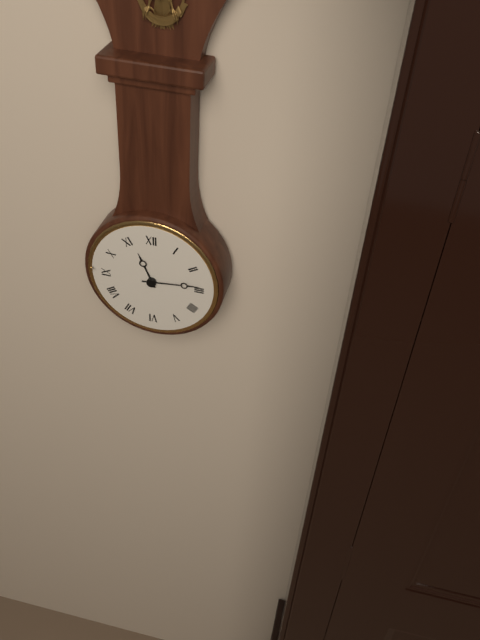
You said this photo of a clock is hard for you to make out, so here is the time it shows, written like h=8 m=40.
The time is h=11 m=14
